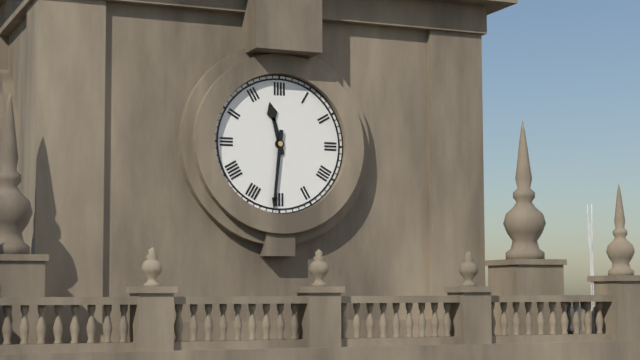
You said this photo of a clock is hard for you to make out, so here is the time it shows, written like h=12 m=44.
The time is h=11 m=31
